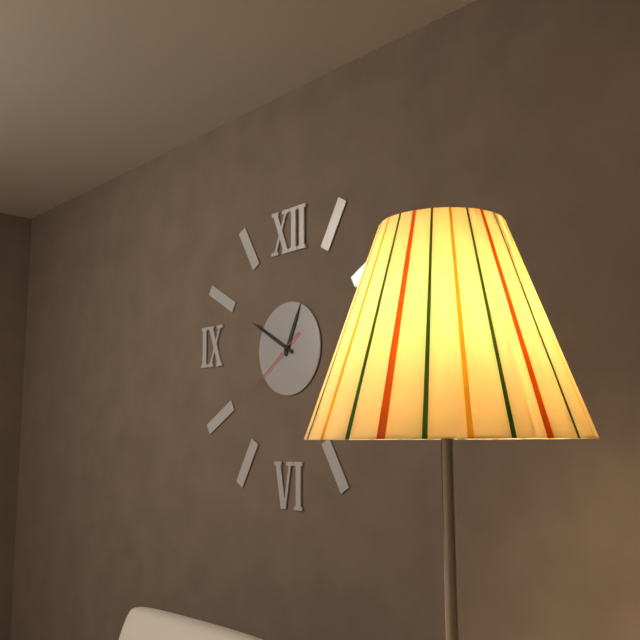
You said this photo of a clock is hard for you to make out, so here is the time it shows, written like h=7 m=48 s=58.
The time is h=12 m=50 s=39
